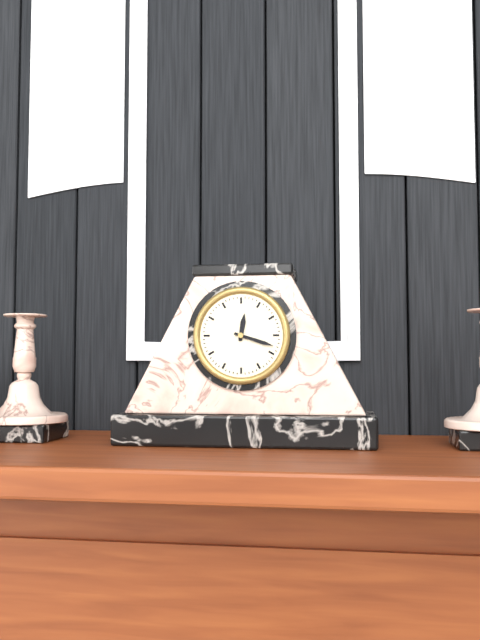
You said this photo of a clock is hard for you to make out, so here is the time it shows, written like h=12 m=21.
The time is h=12 m=18
